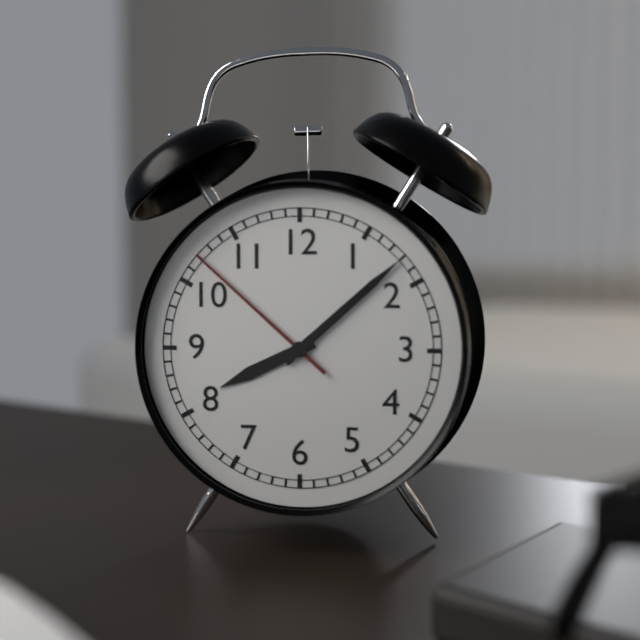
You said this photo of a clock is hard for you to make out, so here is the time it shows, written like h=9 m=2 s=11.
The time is h=8 m=8 s=52
